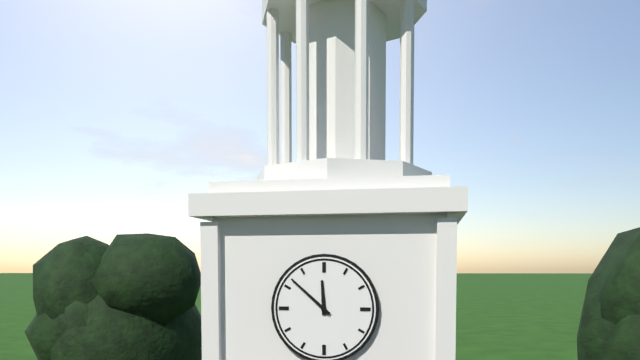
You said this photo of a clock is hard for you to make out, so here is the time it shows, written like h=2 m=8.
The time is h=11 m=52
